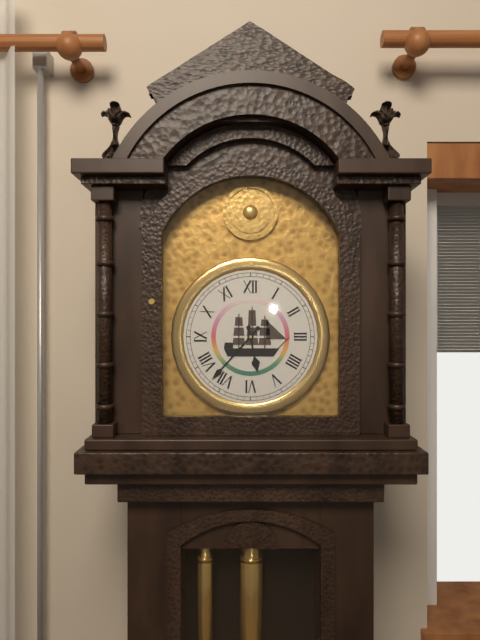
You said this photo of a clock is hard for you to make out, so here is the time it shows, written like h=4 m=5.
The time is h=5 m=37
